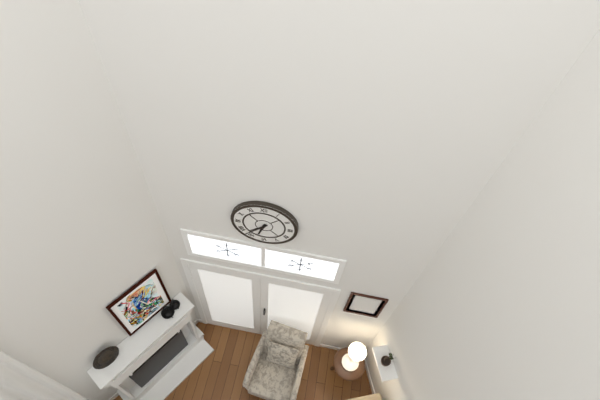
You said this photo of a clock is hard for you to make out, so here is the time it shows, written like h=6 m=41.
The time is h=6 m=37
